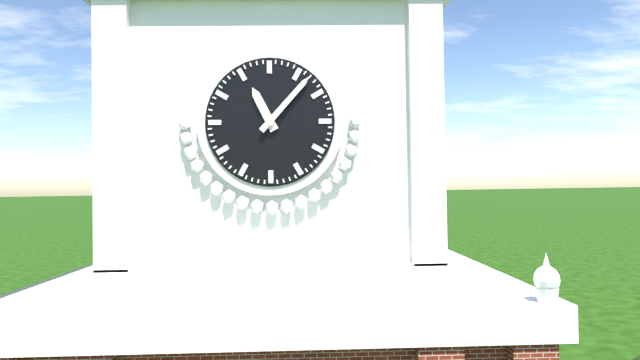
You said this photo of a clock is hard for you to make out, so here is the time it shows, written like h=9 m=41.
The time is h=11 m=7
